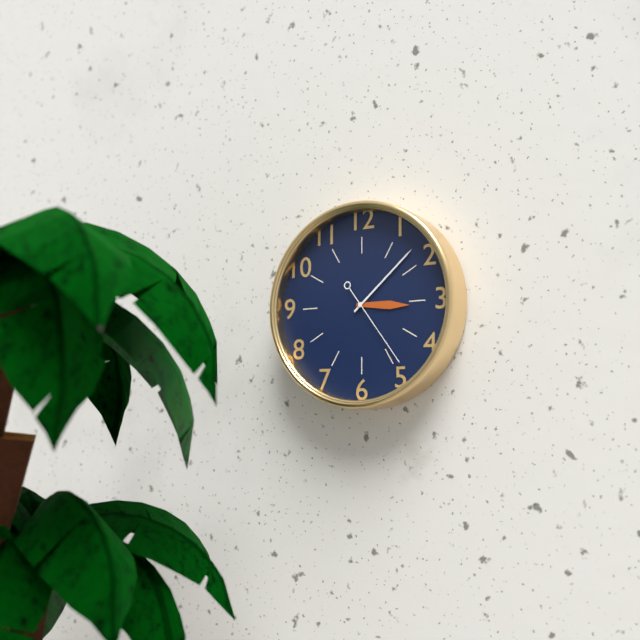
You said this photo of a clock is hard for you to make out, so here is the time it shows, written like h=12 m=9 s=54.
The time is h=3 m=8 s=24
